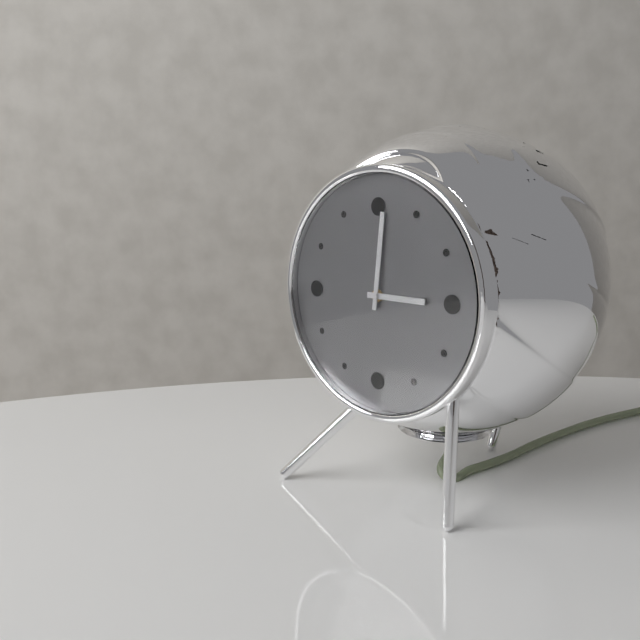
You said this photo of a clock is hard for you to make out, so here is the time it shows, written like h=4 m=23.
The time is h=3 m=1
